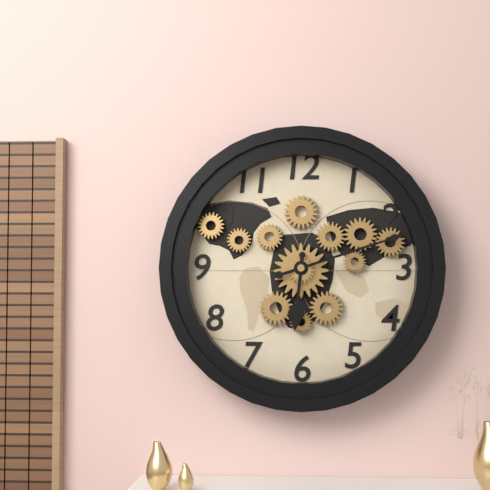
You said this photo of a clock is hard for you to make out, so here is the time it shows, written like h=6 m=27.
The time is h=6 m=12
